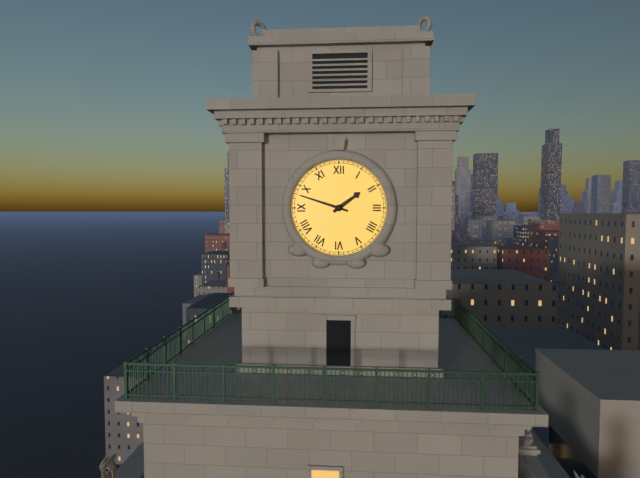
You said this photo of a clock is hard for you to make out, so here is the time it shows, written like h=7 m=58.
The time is h=1 m=48
